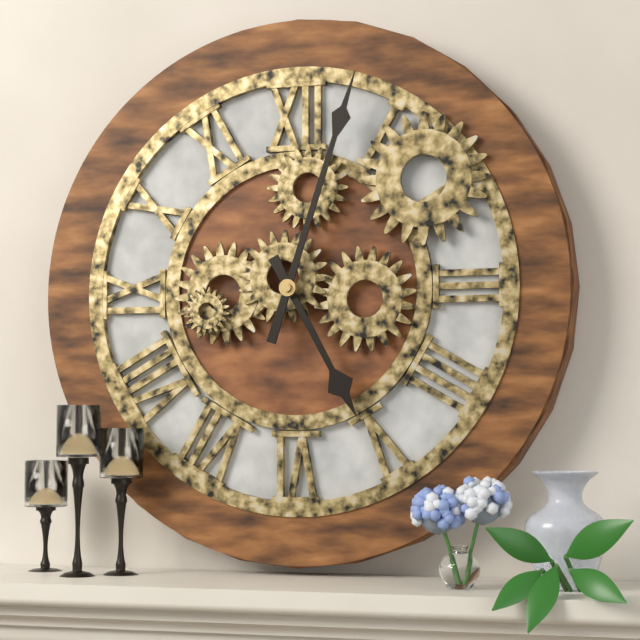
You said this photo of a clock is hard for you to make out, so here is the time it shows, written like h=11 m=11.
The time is h=5 m=3
